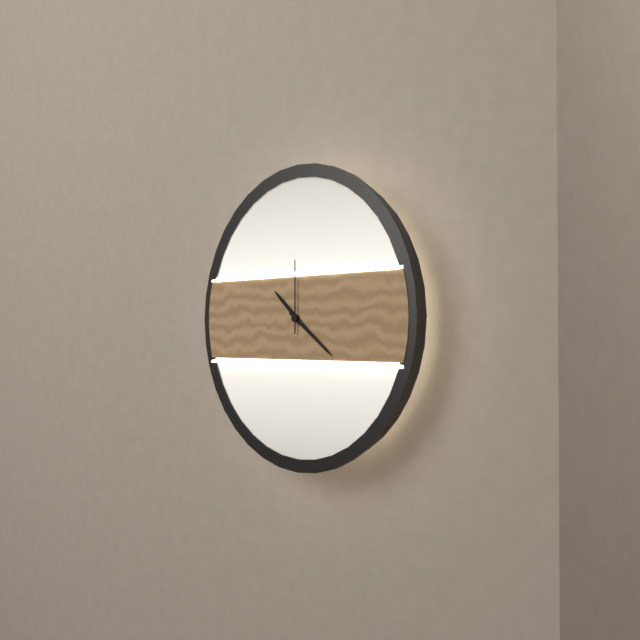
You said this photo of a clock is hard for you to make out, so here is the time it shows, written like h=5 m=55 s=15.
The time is h=10 m=21 s=0
